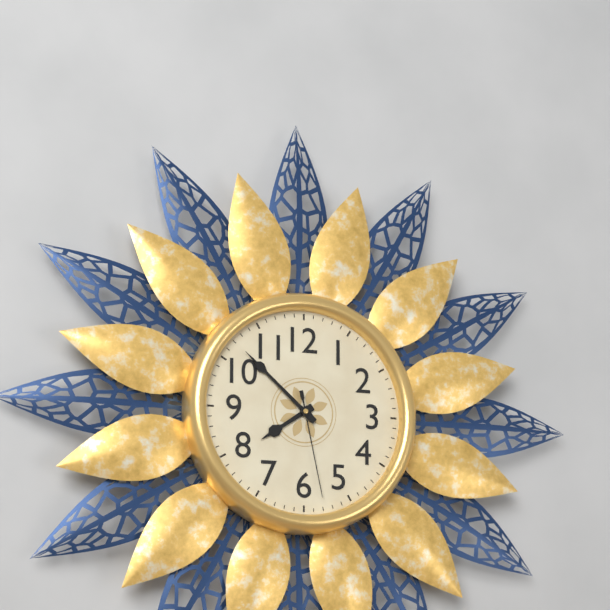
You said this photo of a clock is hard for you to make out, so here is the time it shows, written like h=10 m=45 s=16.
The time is h=7 m=52 s=28
